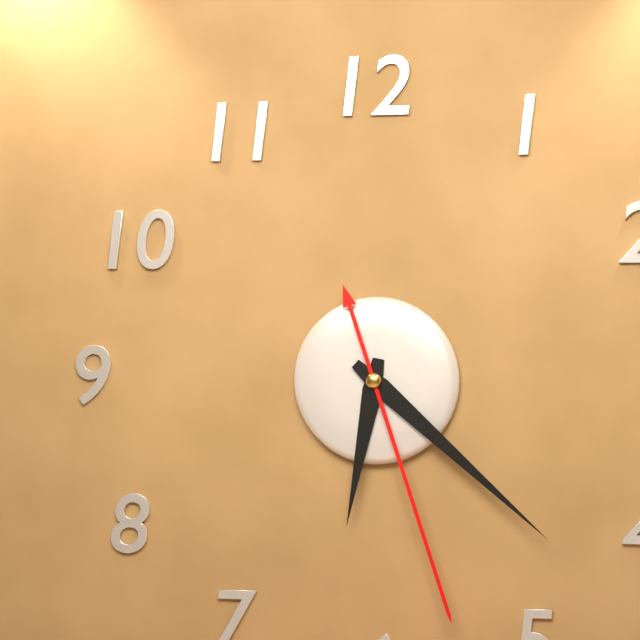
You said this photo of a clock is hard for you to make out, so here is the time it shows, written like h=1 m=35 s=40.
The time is h=6 m=22 s=27
